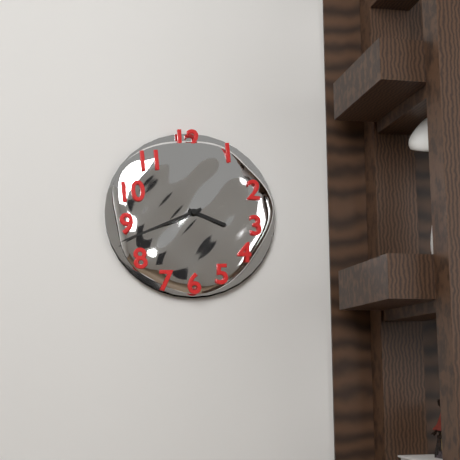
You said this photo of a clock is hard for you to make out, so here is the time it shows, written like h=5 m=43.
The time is h=3 m=41
